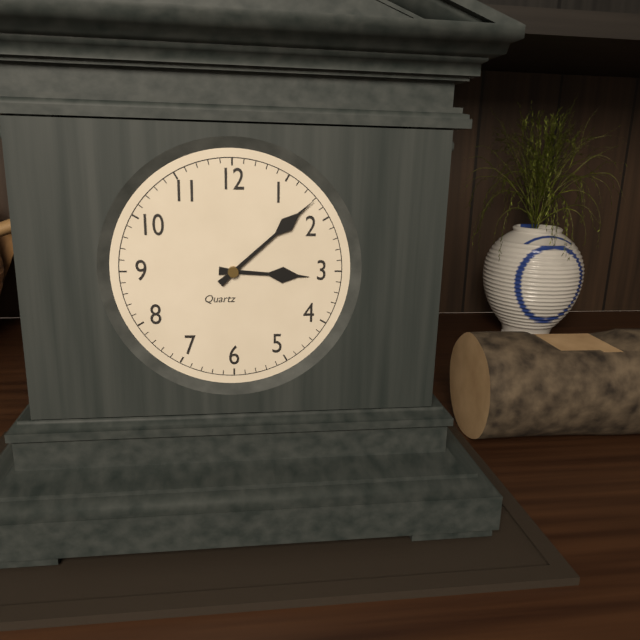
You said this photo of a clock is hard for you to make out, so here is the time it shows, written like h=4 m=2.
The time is h=3 m=8
